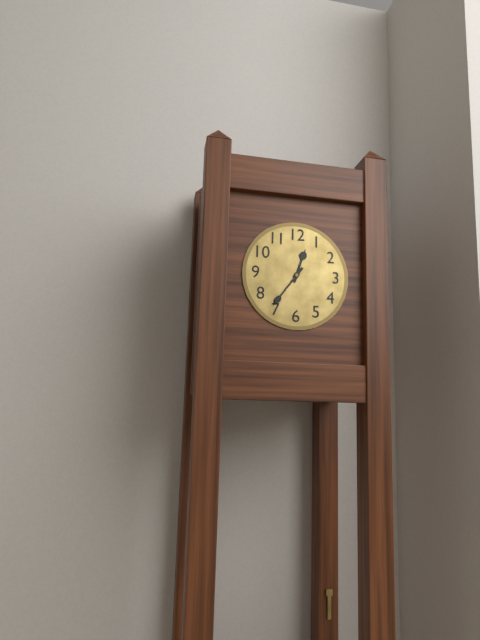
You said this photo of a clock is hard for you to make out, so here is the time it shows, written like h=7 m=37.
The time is h=12 m=36
